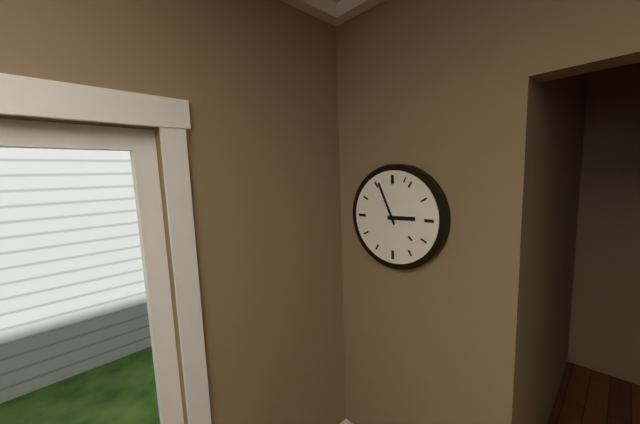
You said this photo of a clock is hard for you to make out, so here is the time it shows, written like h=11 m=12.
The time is h=2 m=56
